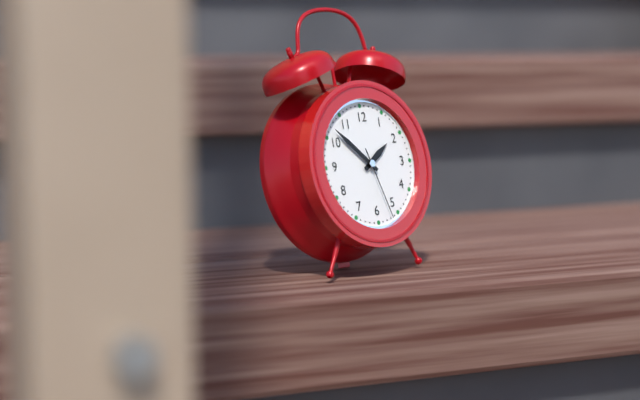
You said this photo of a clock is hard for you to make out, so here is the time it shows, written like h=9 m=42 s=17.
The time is h=1 m=52 s=27
